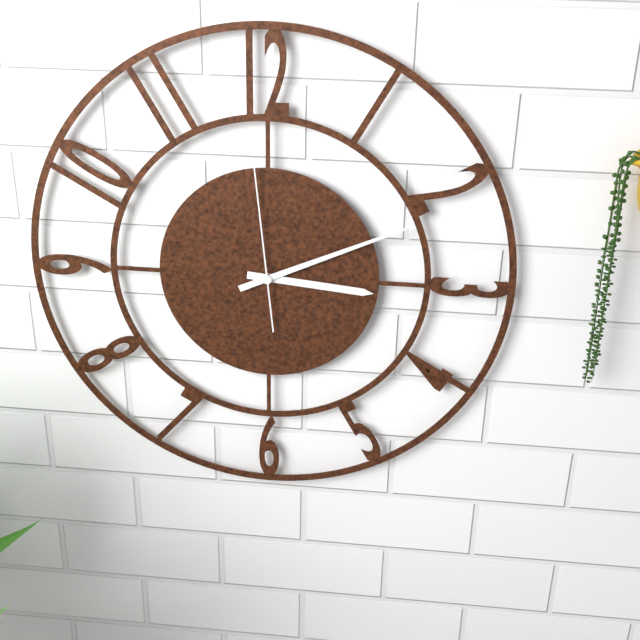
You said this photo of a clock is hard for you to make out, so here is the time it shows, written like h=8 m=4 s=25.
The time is h=3 m=11 s=59
